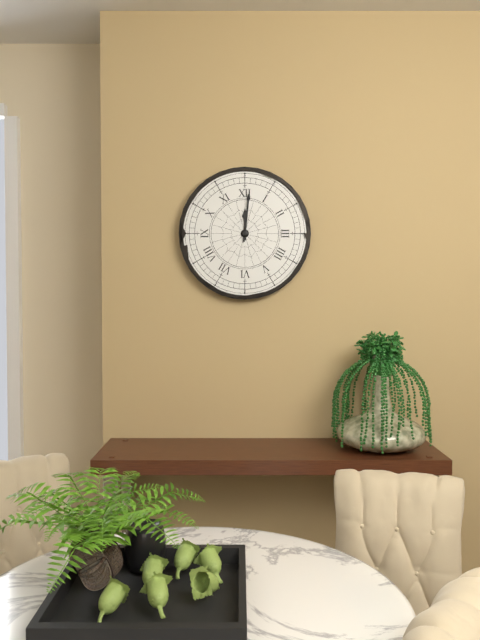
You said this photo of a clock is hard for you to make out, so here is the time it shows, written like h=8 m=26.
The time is h=12 m=1
